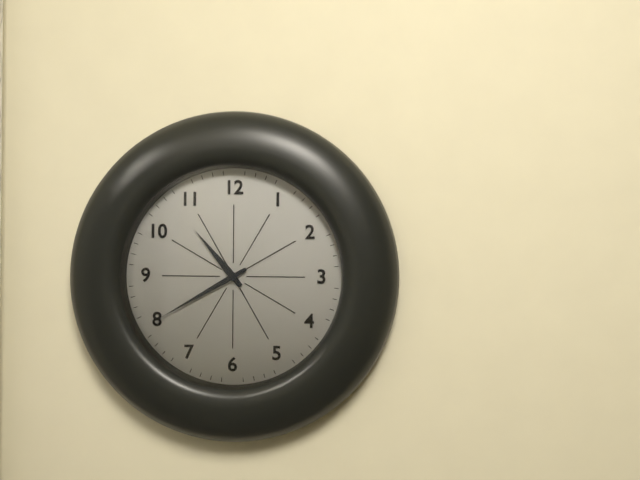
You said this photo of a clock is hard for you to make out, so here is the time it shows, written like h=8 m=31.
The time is h=10 m=40
